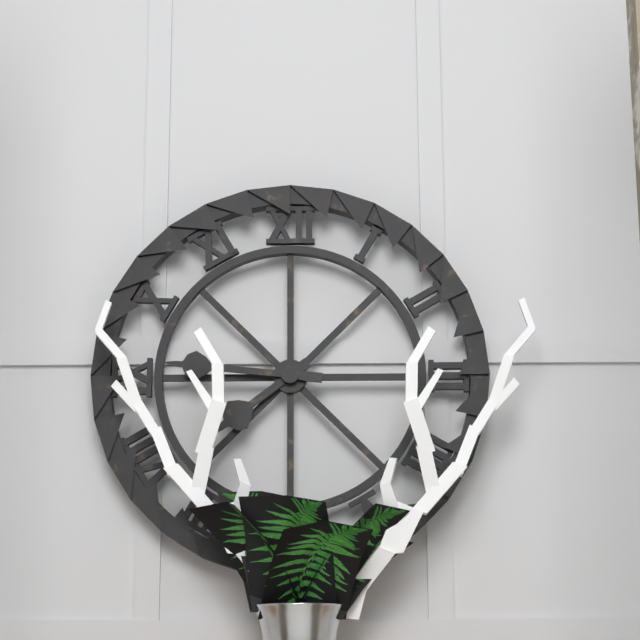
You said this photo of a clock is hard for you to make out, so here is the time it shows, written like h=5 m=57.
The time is h=7 m=46
